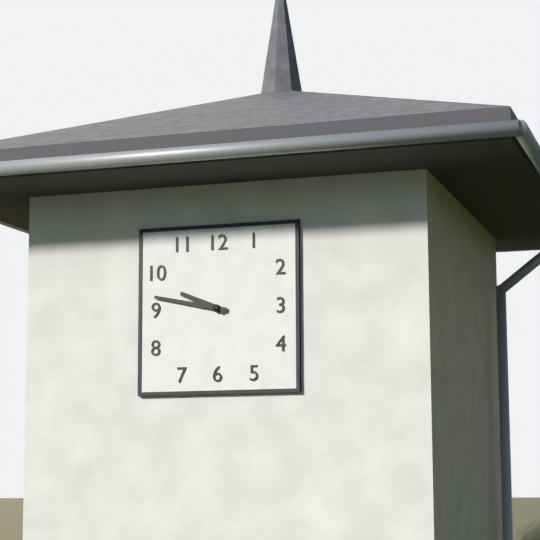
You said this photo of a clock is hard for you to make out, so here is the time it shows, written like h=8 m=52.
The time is h=9 m=47
